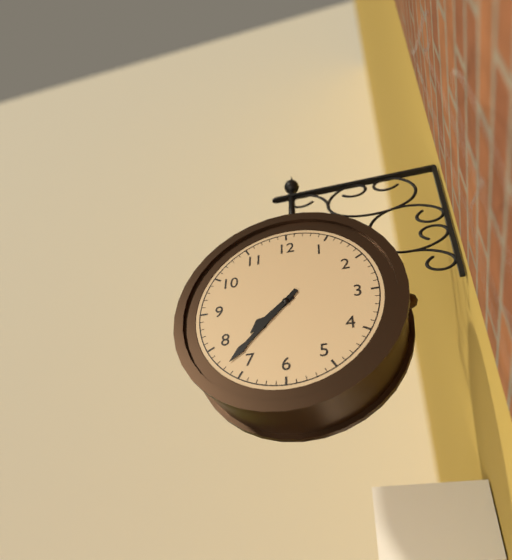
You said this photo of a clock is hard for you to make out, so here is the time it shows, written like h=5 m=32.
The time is h=7 m=37
